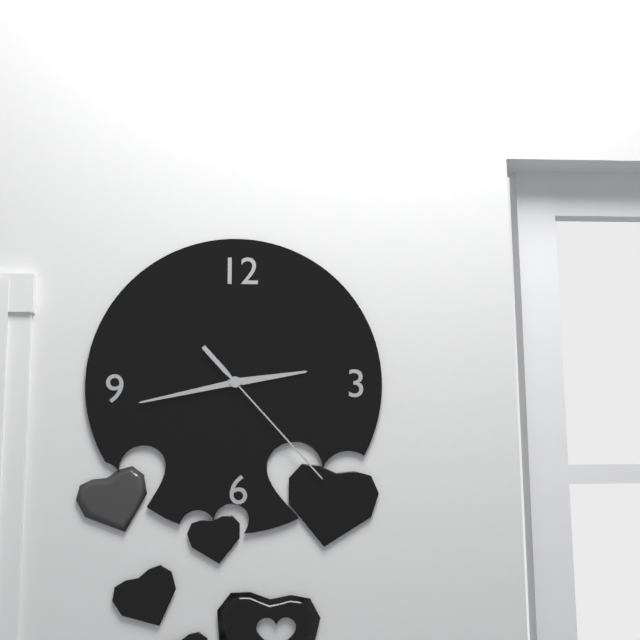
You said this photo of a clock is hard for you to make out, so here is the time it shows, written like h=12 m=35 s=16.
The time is h=2 m=43 s=23
